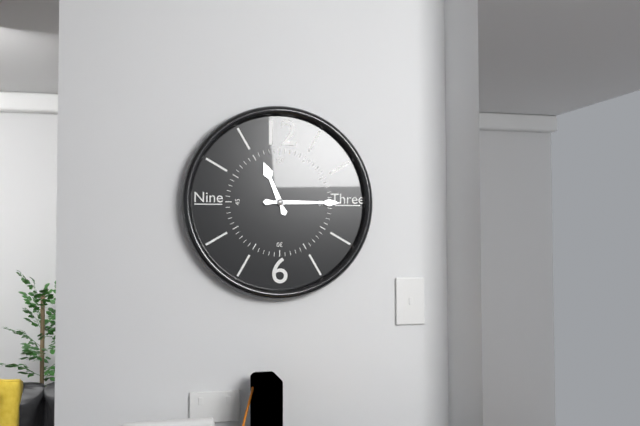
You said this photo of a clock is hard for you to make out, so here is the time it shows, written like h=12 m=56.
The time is h=11 m=15
